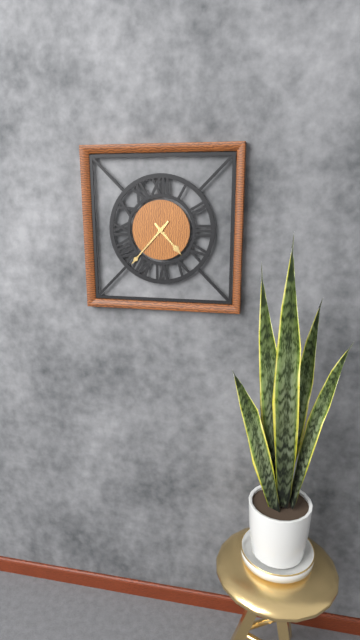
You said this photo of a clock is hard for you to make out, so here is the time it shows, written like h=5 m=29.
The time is h=4 m=37
